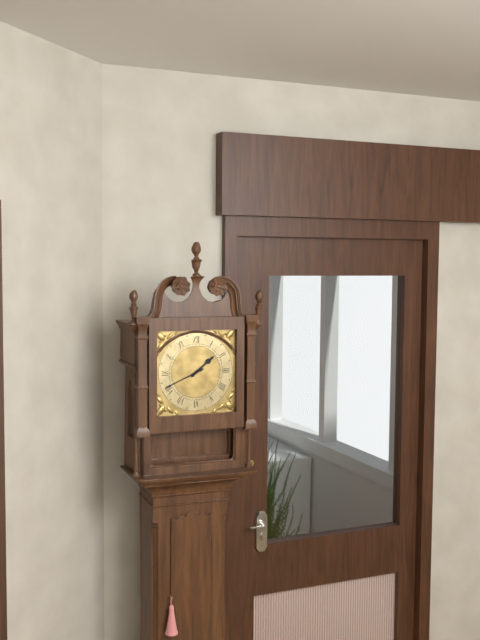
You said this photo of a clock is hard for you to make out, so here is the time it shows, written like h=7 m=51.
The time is h=1 m=41
